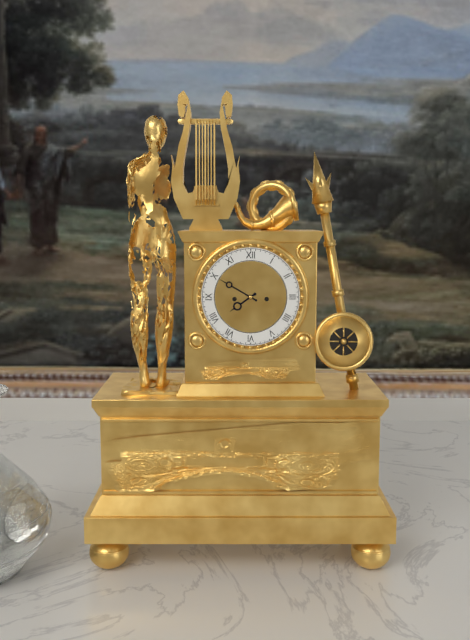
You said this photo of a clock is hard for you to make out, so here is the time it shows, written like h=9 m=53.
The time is h=7 m=50
